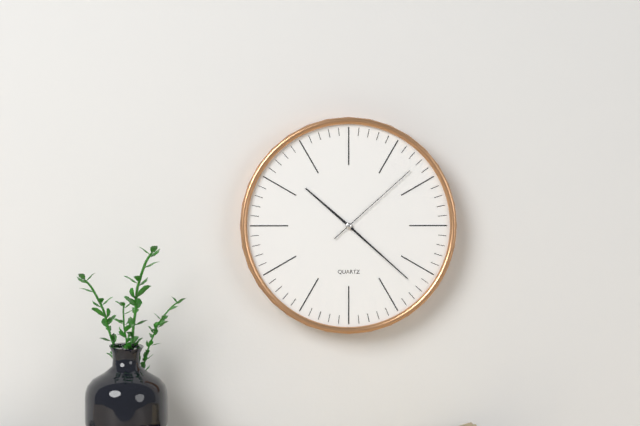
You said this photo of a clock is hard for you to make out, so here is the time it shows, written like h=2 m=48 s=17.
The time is h=10 m=22 s=8
